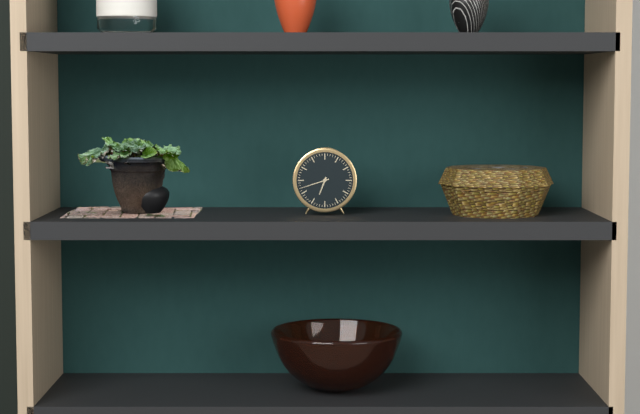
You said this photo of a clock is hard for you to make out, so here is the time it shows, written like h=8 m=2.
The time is h=6 m=42
